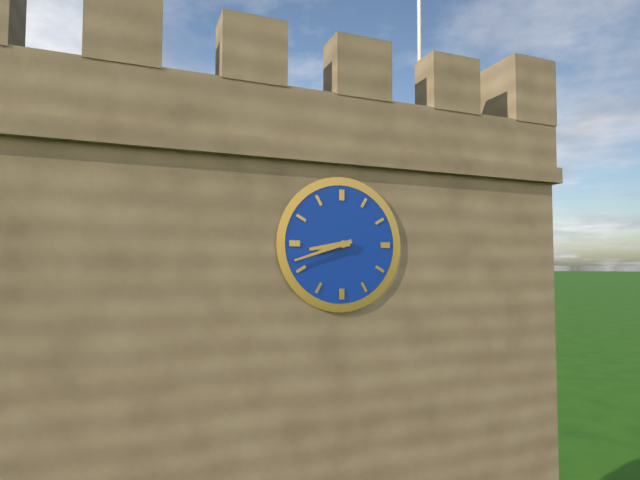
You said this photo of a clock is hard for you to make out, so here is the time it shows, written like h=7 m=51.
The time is h=8 m=42
